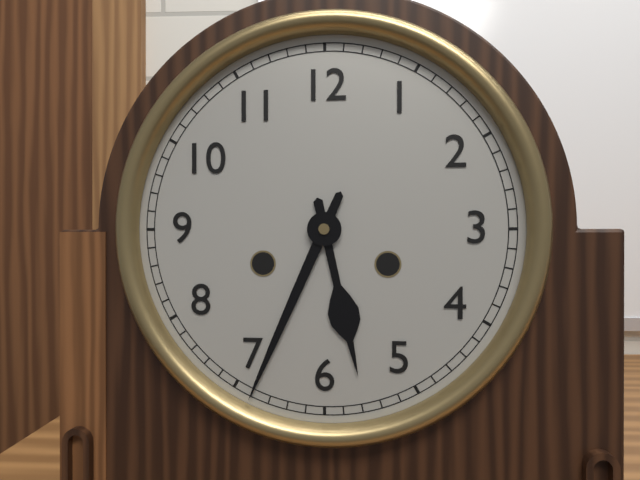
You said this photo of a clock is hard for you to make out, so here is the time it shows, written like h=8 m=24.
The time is h=5 m=34
